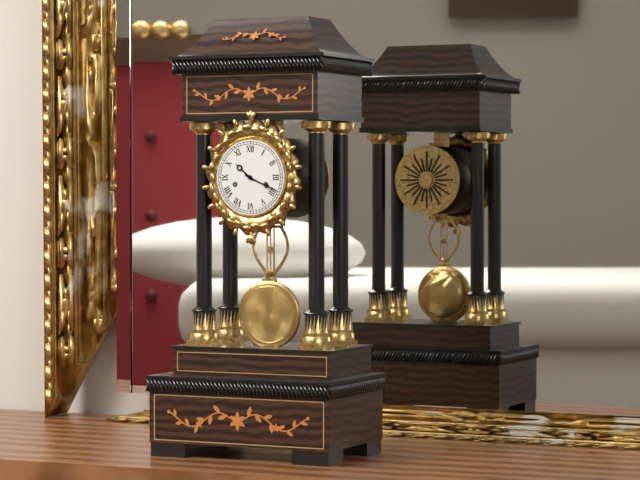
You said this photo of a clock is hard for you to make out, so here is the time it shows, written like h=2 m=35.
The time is h=10 m=19
